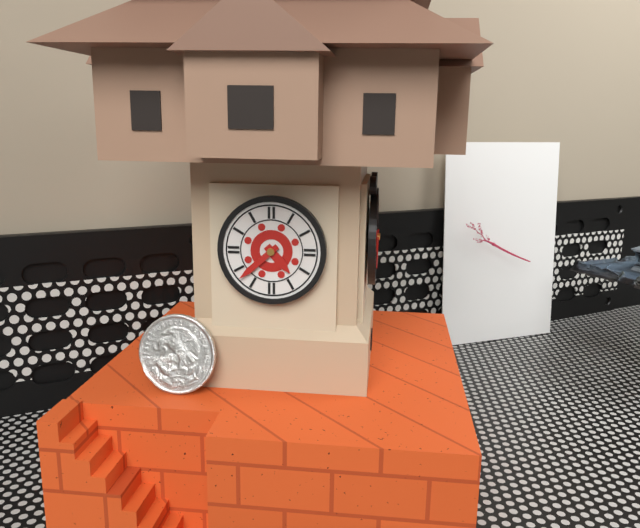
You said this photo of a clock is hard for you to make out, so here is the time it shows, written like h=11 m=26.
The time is h=4 m=38
